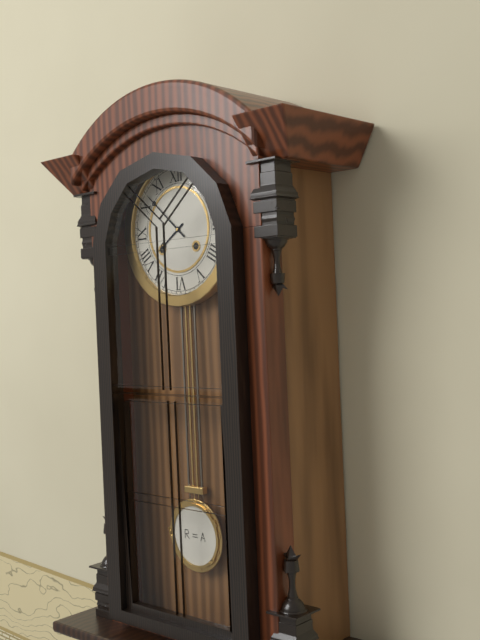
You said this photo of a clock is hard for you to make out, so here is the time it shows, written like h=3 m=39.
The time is h=7 m=52
